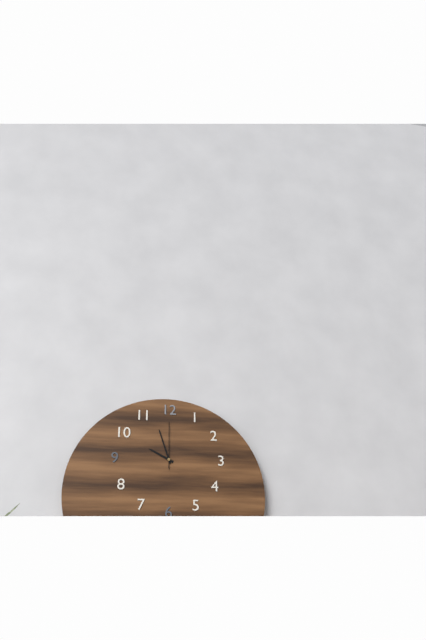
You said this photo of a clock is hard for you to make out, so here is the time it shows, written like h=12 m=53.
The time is h=9 m=57
